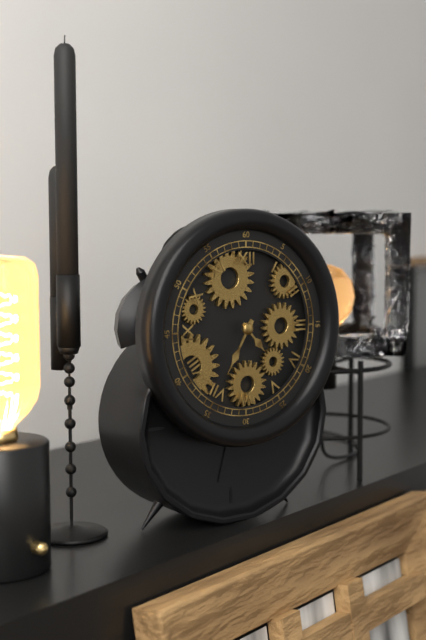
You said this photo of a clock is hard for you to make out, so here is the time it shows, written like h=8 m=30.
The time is h=4 m=35
